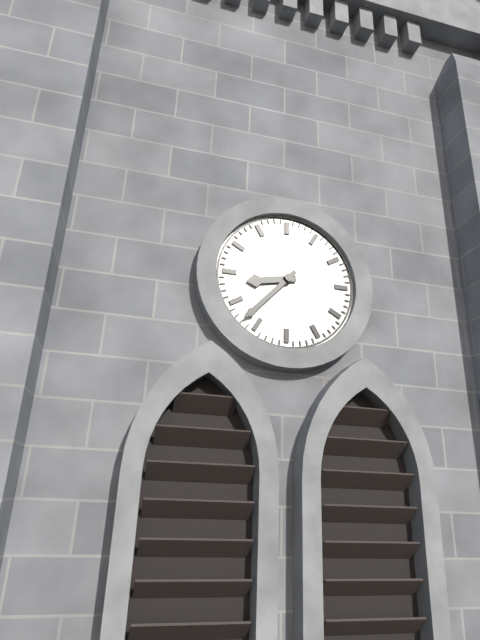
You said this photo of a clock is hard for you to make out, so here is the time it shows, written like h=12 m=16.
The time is h=8 m=37
